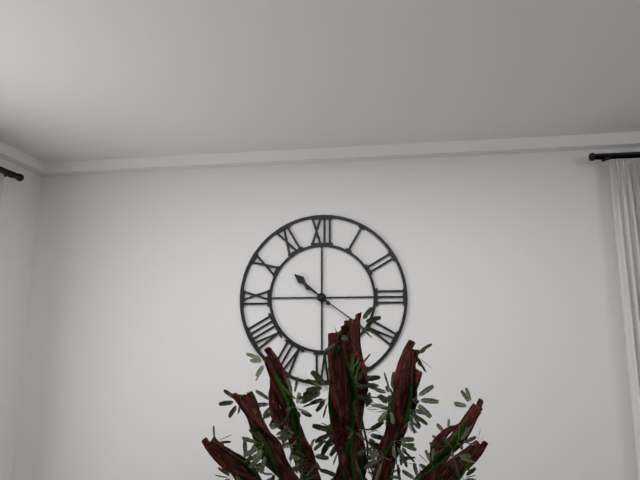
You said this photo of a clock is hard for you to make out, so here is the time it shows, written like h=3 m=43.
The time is h=10 m=21
